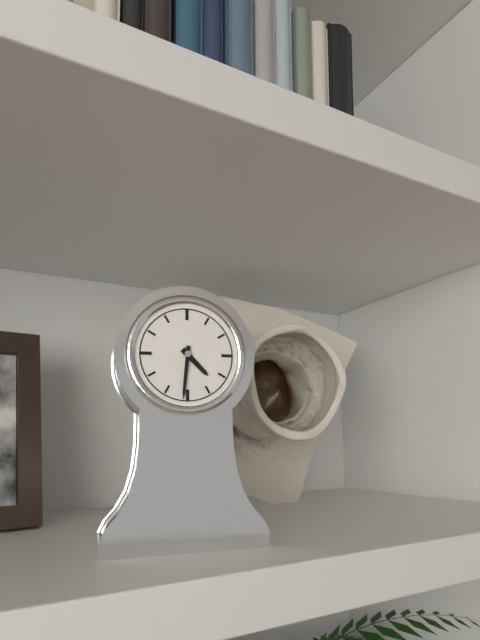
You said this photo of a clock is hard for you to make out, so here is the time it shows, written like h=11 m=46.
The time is h=4 m=31
